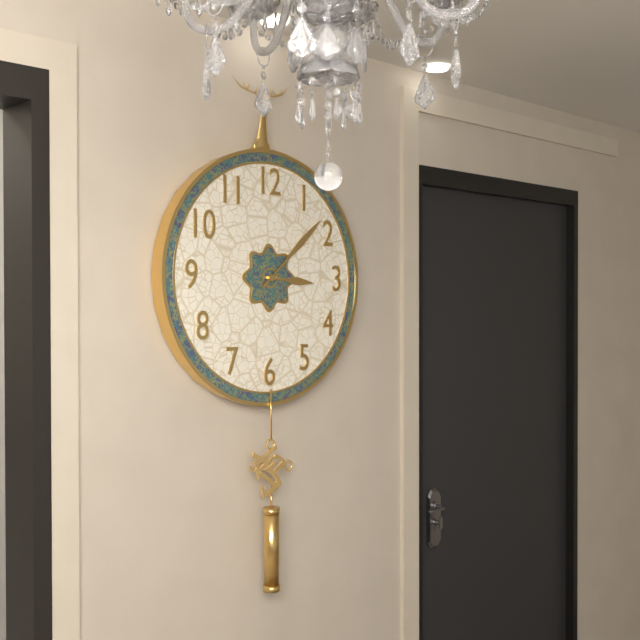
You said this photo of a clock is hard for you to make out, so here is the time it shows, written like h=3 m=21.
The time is h=3 m=8
